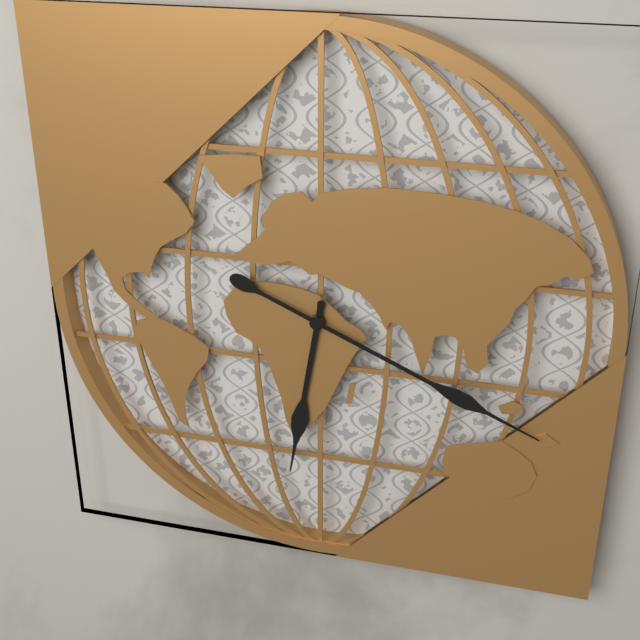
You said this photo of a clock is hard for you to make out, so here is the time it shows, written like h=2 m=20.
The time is h=6 m=19
